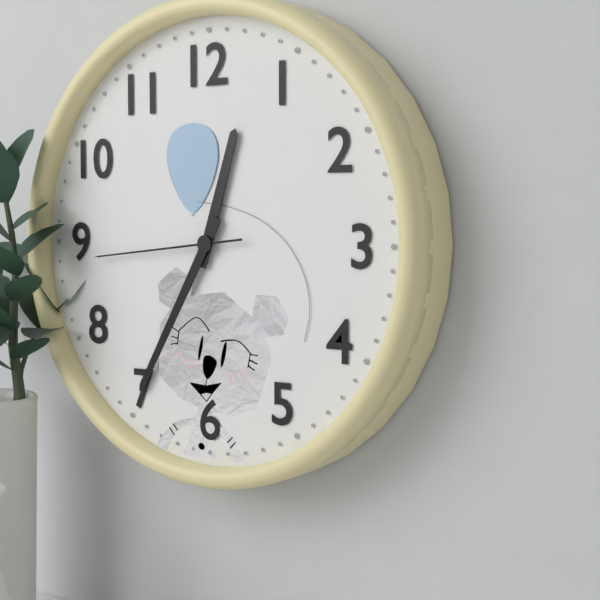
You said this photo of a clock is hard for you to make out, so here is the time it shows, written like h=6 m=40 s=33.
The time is h=12 m=35 s=44
